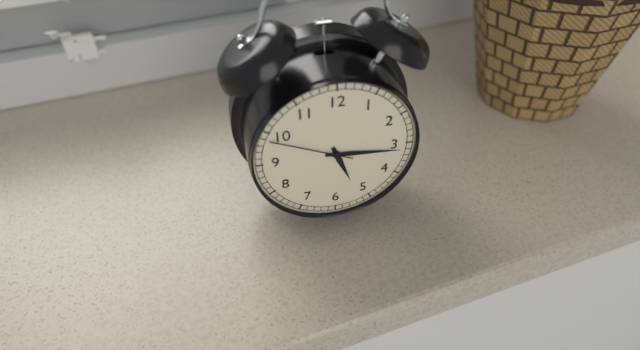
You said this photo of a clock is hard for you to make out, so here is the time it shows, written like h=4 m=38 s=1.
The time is h=5 m=16 s=49
